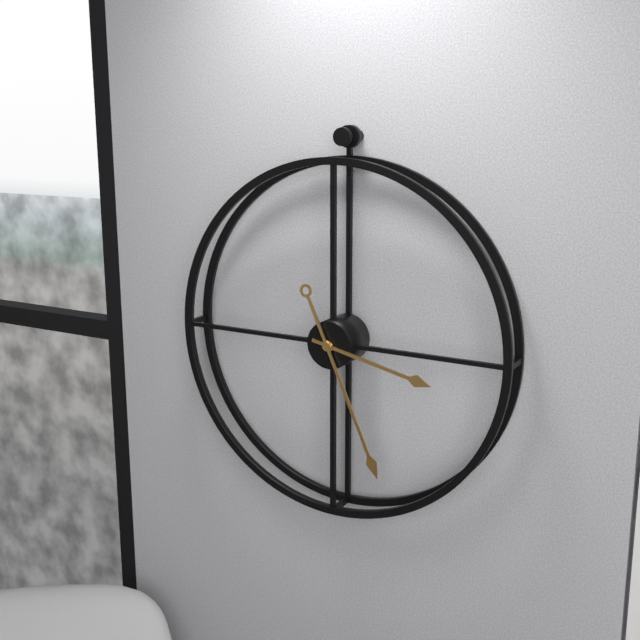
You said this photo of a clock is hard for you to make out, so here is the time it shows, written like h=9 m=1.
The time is h=3 m=26
